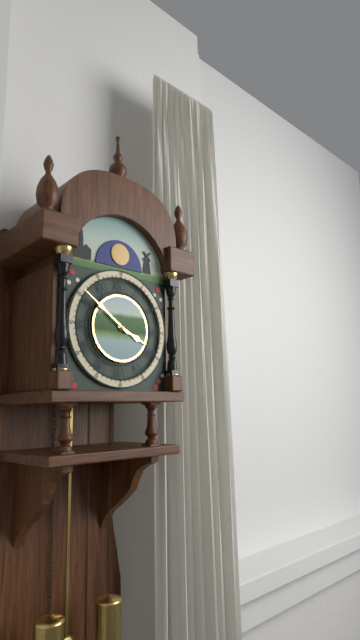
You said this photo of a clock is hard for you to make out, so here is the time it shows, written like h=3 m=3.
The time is h=3 m=51
